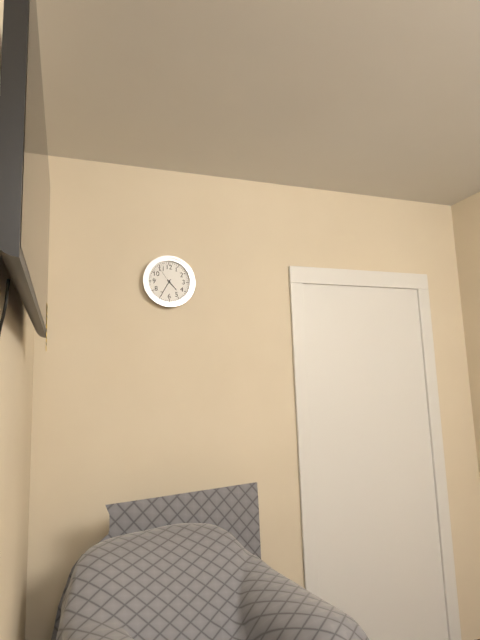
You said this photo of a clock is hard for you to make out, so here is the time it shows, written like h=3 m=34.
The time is h=4 m=35
